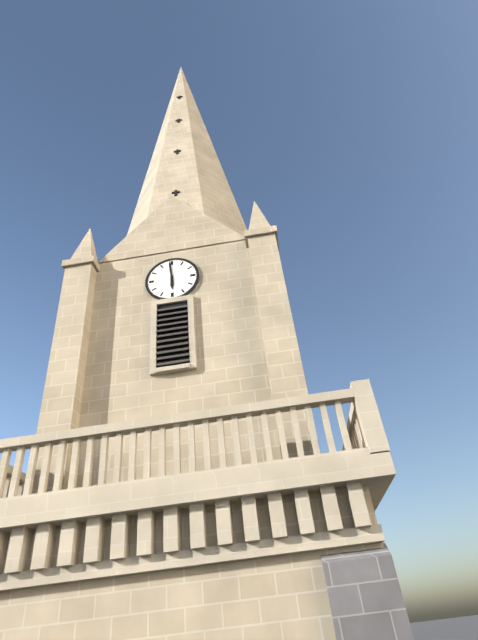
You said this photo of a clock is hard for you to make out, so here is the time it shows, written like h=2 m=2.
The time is h=5 m=59
